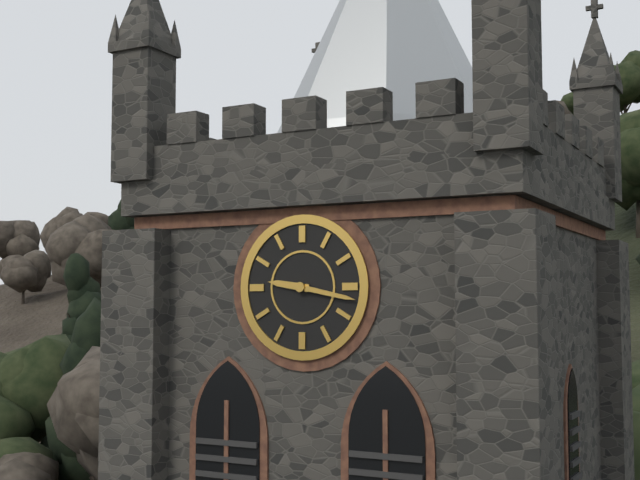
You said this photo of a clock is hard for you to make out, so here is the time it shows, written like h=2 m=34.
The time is h=9 m=17
